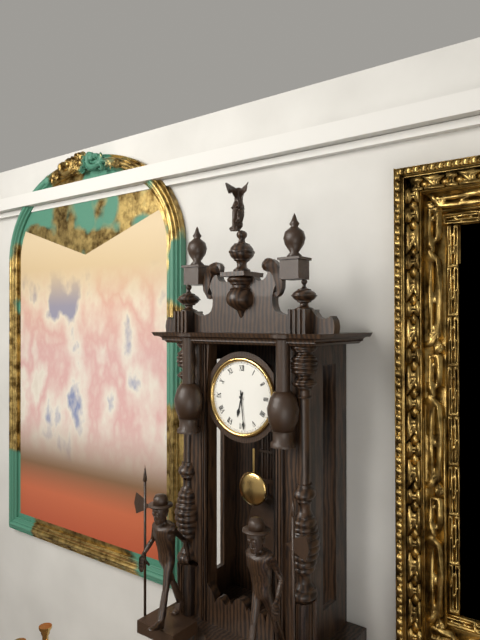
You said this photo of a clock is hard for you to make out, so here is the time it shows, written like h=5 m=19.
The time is h=6 m=29
